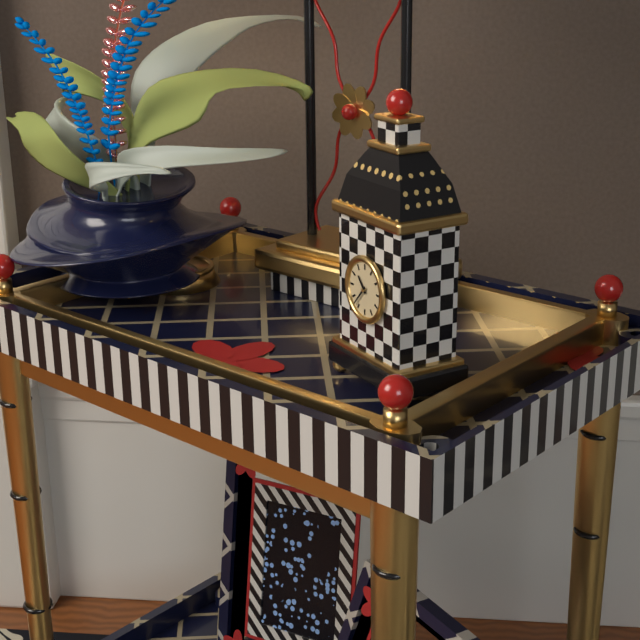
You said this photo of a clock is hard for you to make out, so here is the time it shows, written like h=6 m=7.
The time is h=10 m=37
